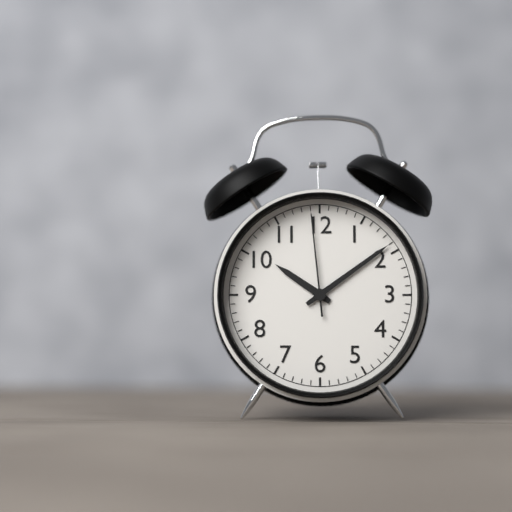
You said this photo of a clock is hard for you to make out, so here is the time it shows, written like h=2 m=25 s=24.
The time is h=10 m=9 s=59
